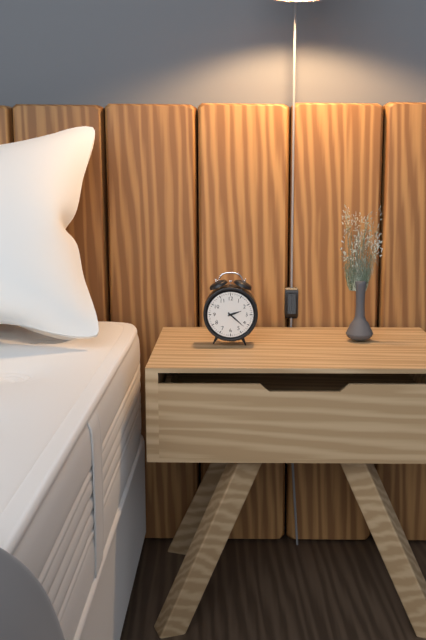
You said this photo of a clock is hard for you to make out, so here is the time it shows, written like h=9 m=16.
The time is h=2 m=22
